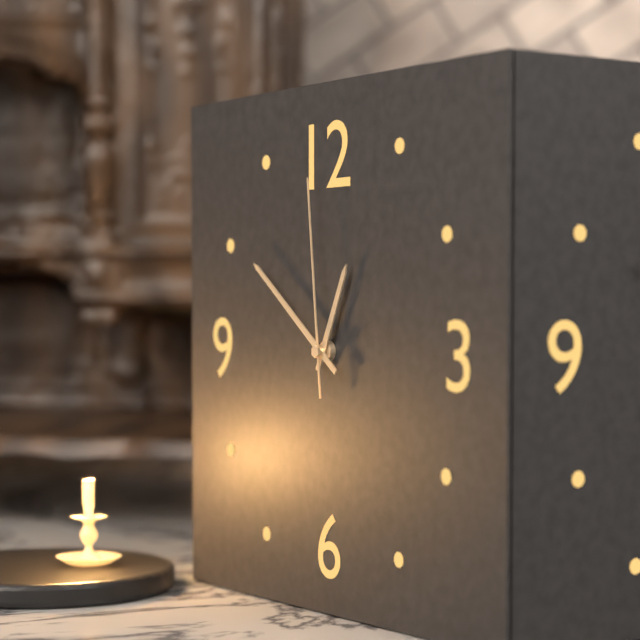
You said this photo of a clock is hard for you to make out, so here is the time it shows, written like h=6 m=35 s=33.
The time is h=12 m=51 s=59
